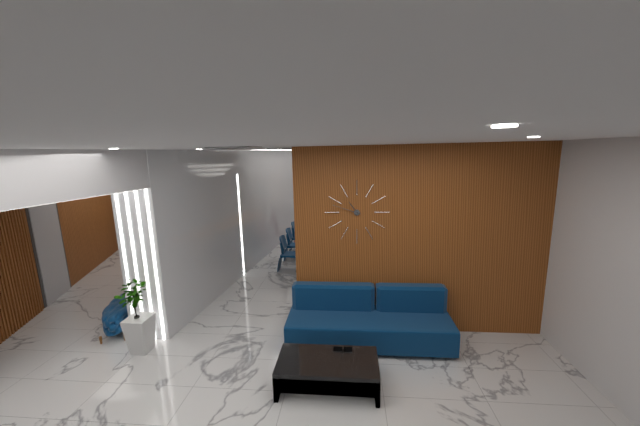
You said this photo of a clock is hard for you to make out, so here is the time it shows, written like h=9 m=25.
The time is h=10 m=48
